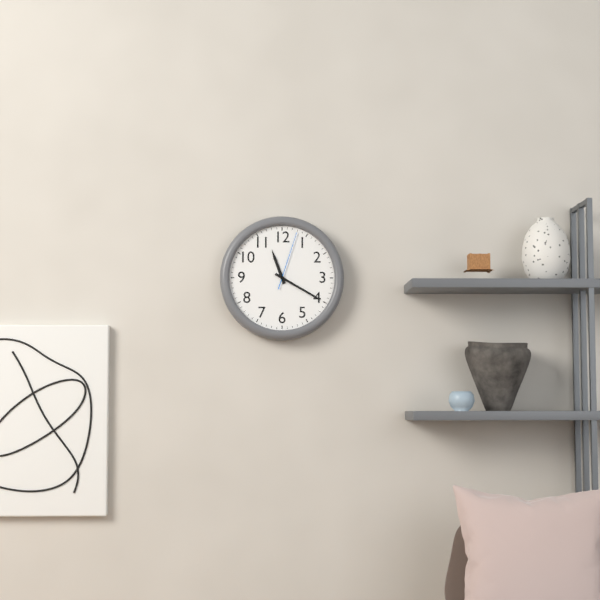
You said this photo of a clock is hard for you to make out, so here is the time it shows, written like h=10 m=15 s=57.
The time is h=11 m=20 s=3
